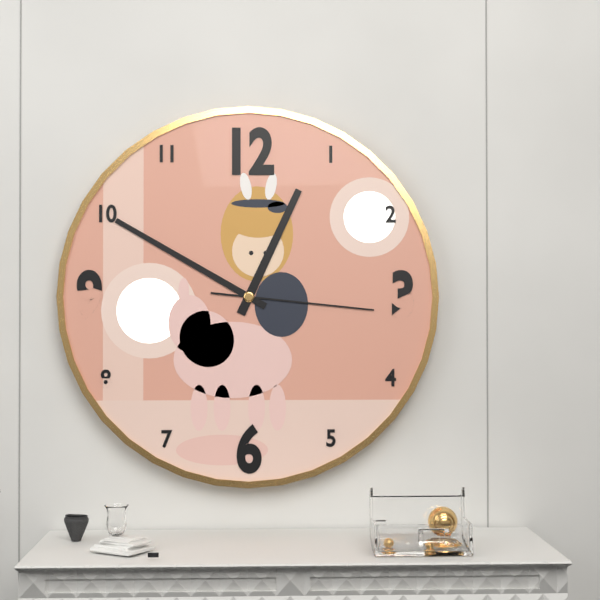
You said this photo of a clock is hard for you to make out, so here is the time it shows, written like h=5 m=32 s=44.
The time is h=12 m=50 s=16
